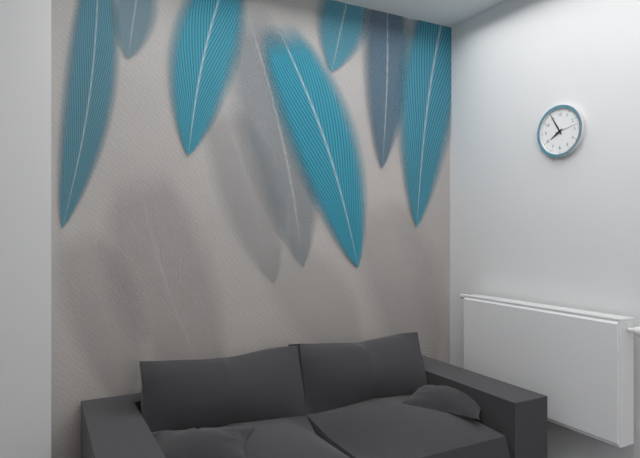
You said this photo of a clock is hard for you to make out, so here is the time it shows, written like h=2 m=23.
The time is h=7 m=55
